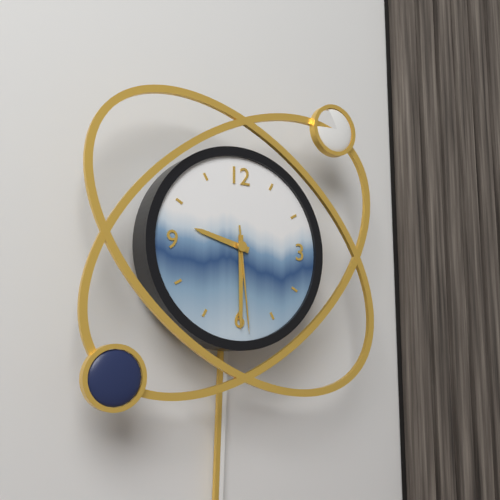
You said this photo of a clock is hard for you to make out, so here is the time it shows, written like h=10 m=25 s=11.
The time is h=9 m=30 s=29
